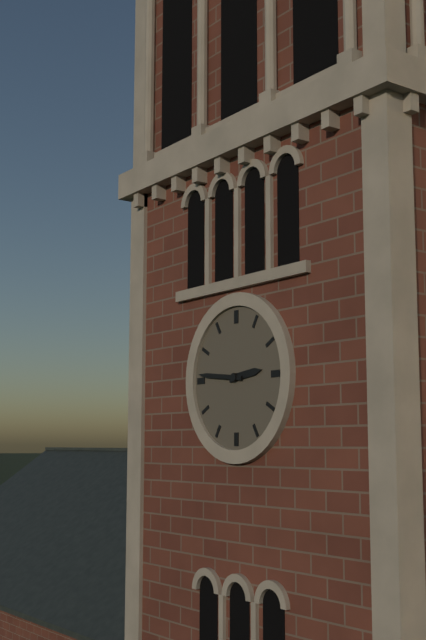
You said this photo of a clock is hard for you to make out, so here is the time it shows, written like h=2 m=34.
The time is h=2 m=46
